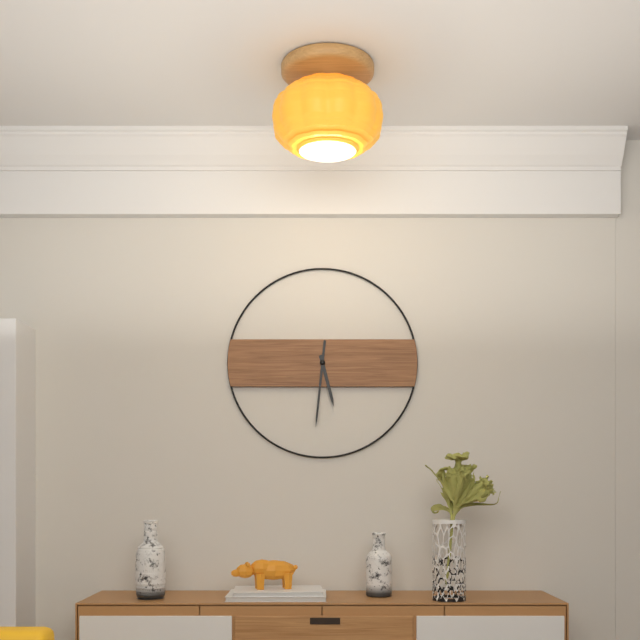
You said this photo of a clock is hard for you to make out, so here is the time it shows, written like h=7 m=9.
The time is h=5 m=31
